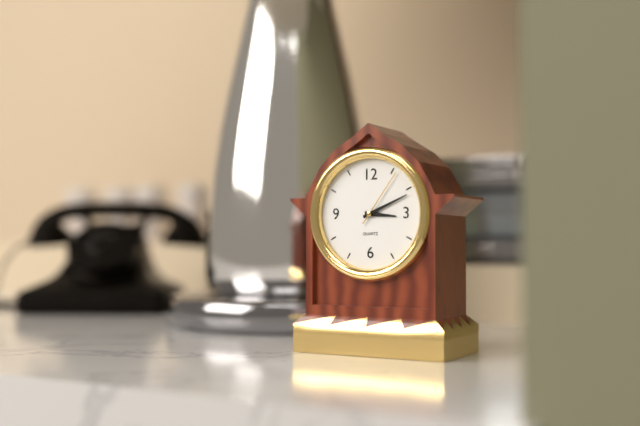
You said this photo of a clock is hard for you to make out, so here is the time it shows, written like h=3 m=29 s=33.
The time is h=3 m=11 s=6
